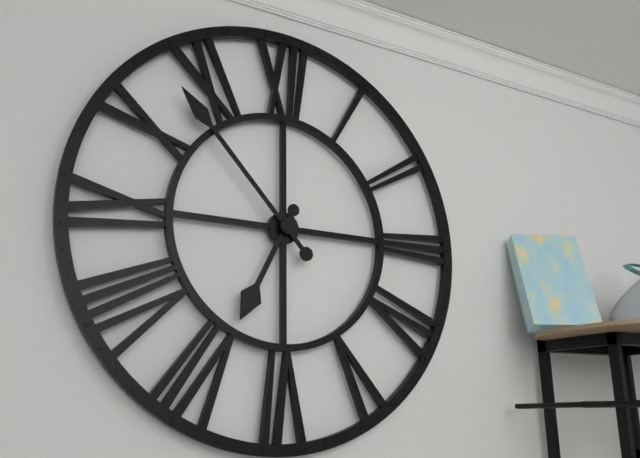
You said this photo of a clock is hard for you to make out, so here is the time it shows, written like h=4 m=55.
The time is h=6 m=53
